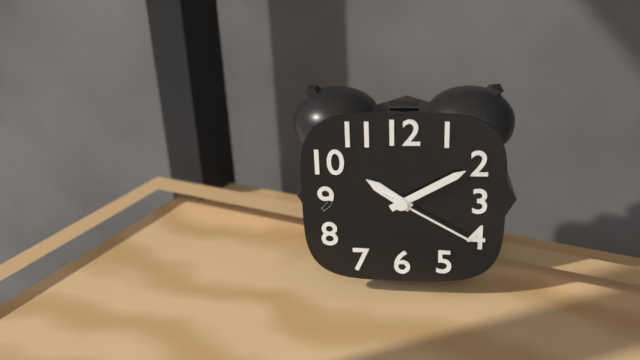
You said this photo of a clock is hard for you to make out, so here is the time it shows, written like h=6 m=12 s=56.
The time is h=10 m=10 s=20
